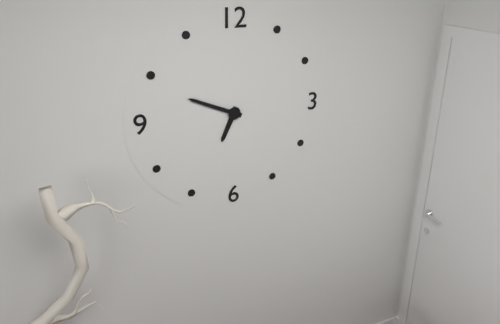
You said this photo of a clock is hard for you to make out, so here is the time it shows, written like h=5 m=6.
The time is h=6 m=49
